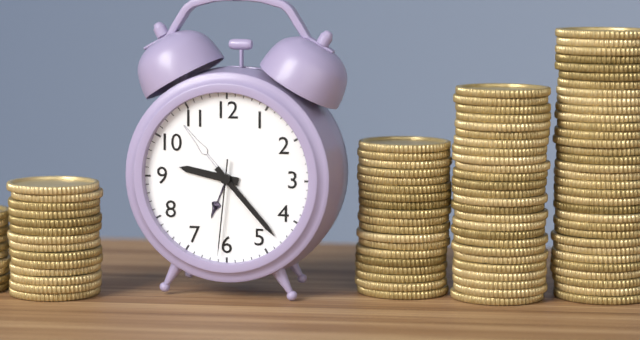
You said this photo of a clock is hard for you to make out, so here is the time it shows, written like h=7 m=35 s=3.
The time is h=9 m=23 s=31
